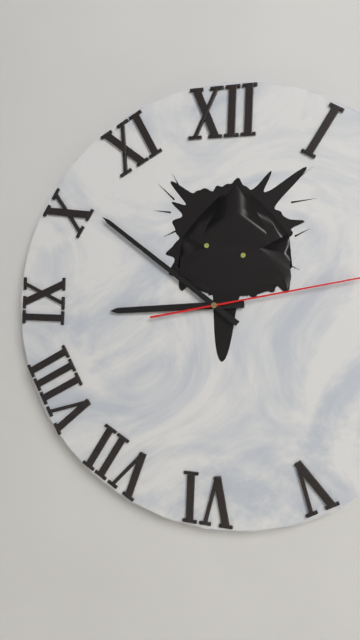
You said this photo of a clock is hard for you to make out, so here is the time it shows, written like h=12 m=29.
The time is h=8 m=51
